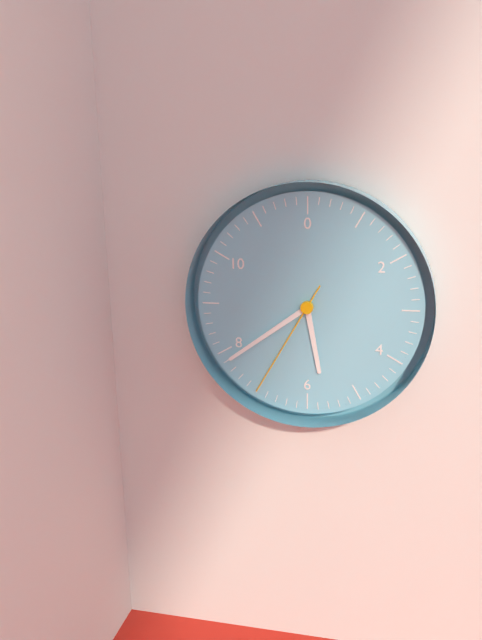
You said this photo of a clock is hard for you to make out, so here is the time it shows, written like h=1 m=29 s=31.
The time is h=5 m=39 s=35
